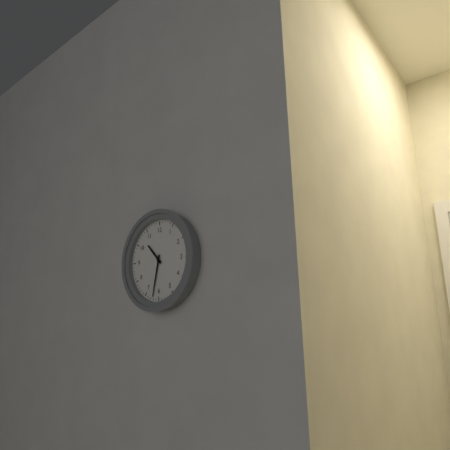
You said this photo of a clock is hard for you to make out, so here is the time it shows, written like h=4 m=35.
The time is h=10 m=32
